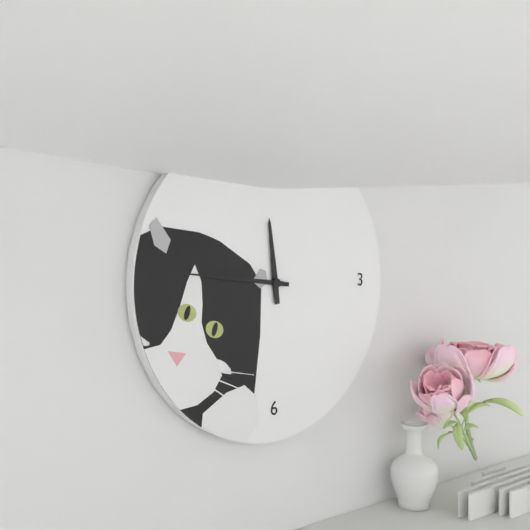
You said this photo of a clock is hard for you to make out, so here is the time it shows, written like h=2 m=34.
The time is h=11 m=46
